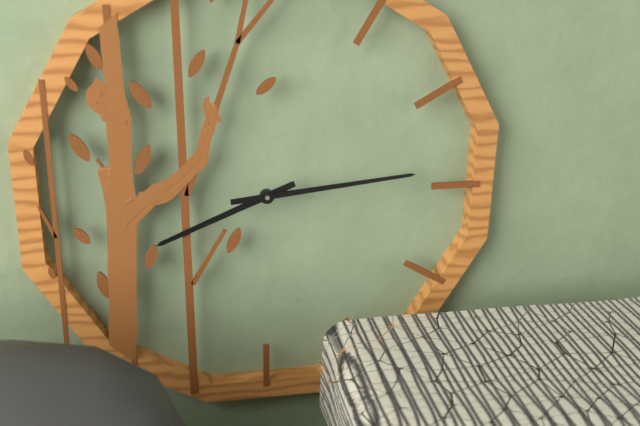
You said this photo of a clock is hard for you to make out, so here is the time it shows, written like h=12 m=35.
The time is h=8 m=14
